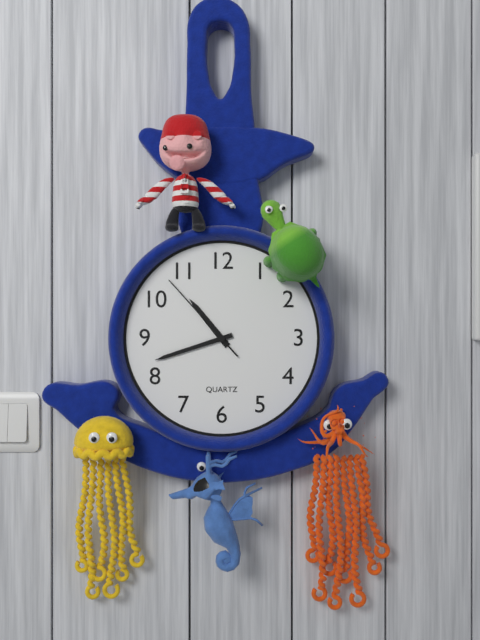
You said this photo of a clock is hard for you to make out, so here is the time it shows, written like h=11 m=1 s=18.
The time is h=10 m=42 s=53
